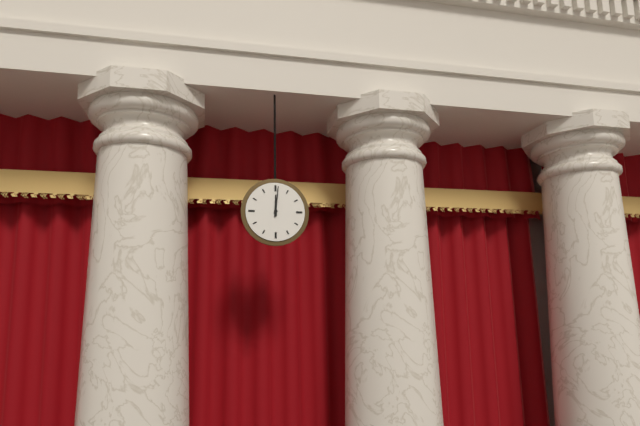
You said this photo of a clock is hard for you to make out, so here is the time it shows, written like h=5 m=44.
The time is h=12 m=1
